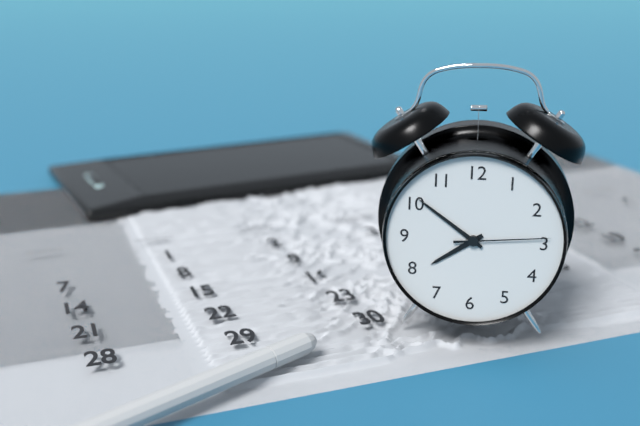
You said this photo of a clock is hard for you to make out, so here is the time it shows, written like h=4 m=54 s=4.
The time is h=7 m=51 s=14
